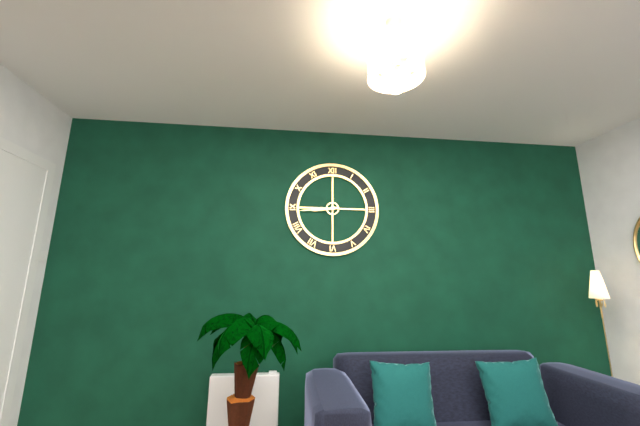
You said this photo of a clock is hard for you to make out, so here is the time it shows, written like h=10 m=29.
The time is h=8 m=44
